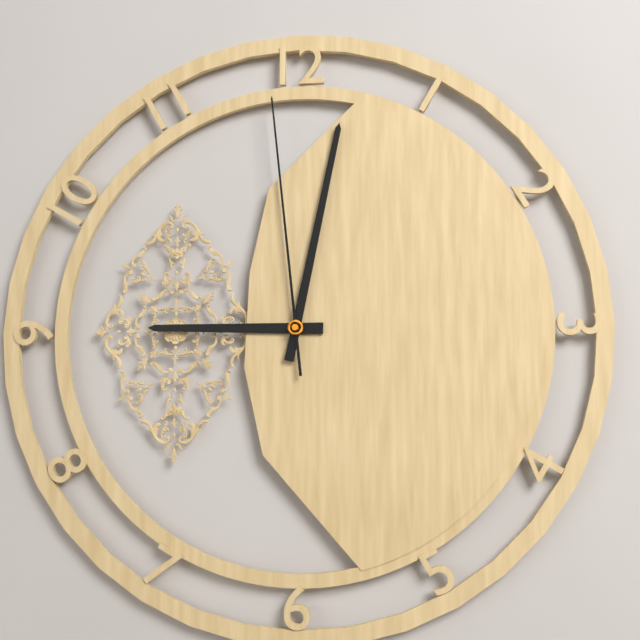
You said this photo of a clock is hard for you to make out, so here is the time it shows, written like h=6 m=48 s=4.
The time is h=9 m=2 s=59
